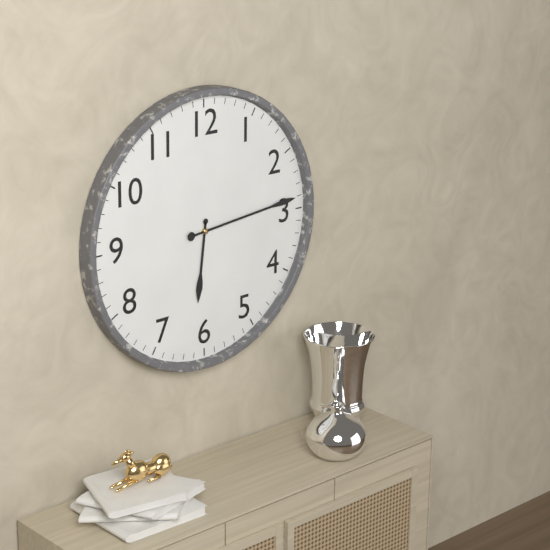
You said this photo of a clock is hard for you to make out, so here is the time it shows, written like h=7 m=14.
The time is h=6 m=14
